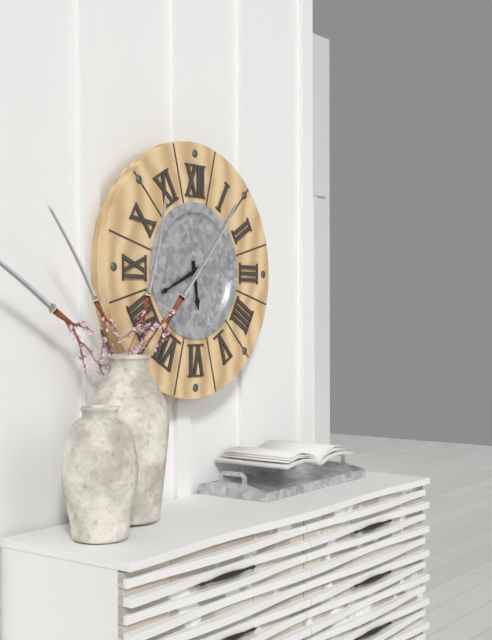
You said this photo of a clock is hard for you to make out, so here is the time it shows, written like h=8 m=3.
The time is h=5 m=41
